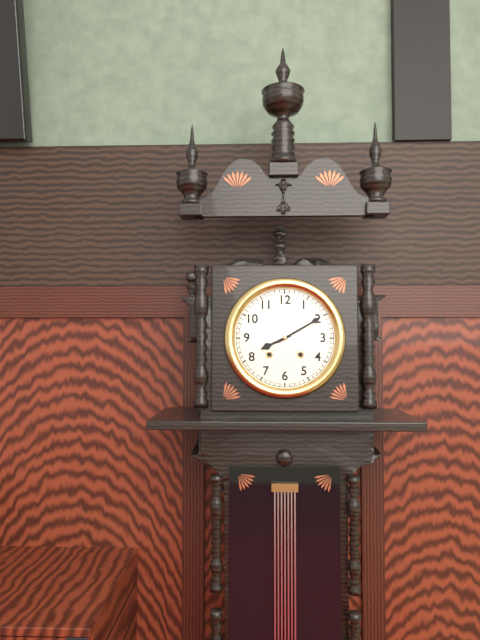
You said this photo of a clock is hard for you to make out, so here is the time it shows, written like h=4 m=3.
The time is h=8 m=10
